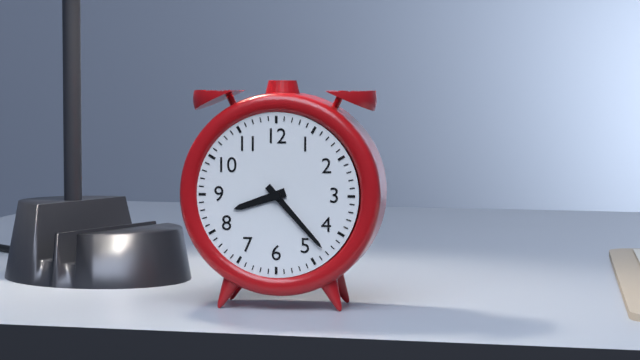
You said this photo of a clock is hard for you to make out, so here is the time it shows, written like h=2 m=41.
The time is h=8 m=23
